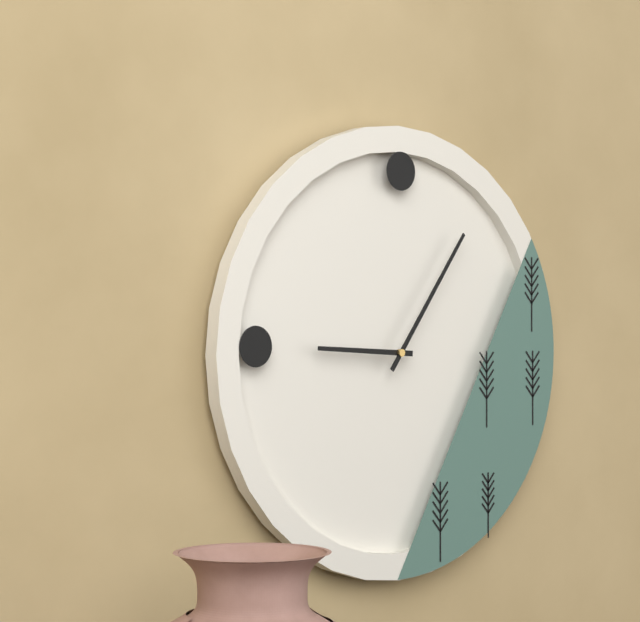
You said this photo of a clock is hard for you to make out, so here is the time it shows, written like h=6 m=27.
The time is h=9 m=6
